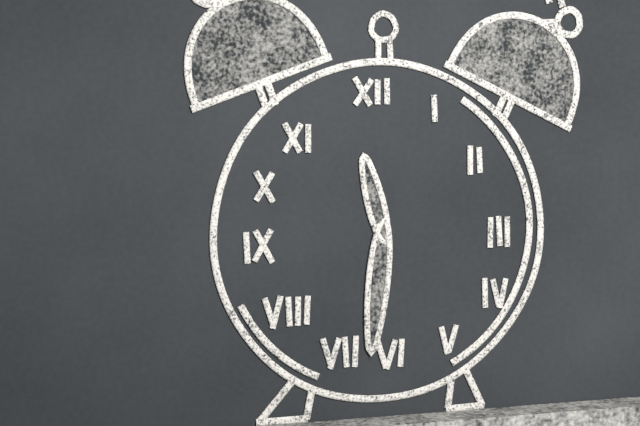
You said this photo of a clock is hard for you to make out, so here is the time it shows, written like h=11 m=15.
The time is h=11 m=31
